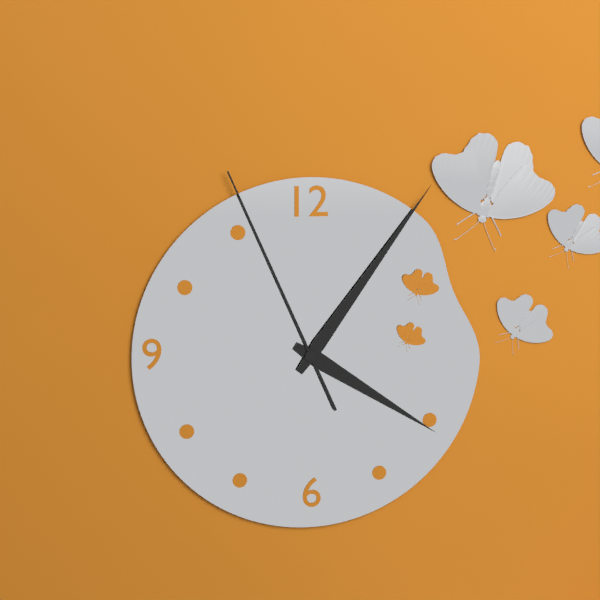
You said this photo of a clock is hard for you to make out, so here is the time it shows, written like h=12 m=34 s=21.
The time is h=4 m=6 s=56
